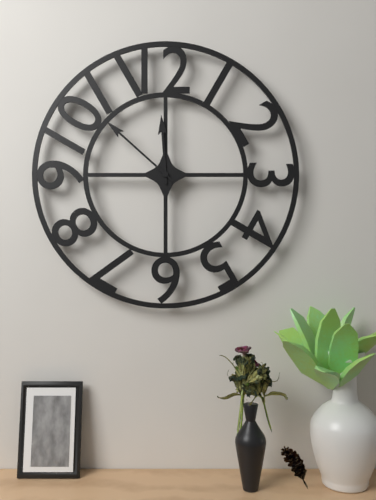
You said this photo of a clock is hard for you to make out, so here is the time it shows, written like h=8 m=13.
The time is h=11 m=52
